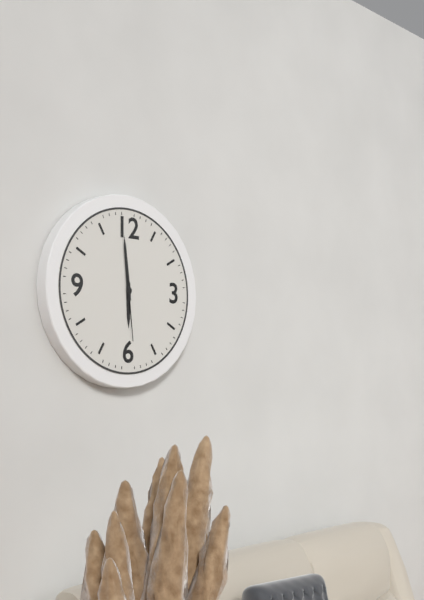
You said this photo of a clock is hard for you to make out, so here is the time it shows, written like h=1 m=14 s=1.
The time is h=5 m=59 s=29
